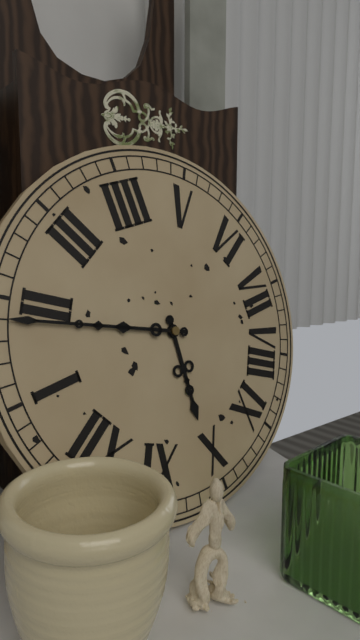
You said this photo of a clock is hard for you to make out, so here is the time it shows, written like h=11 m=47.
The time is h=10 m=9
